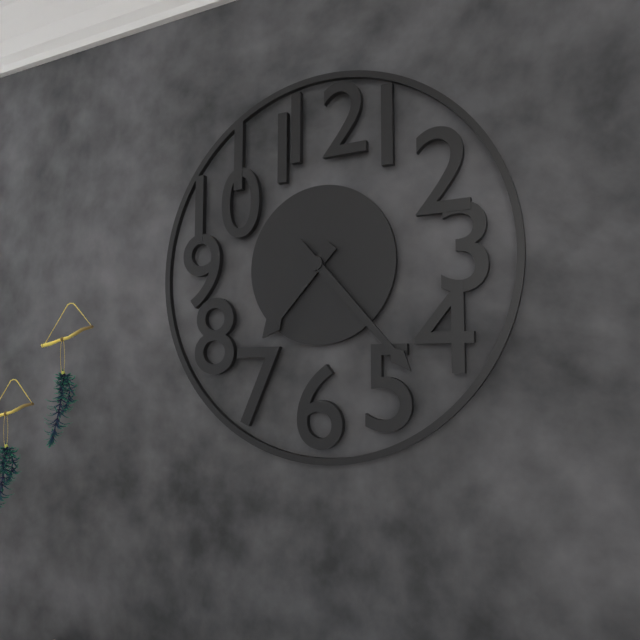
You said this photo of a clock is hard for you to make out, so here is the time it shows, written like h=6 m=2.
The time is h=7 m=23
